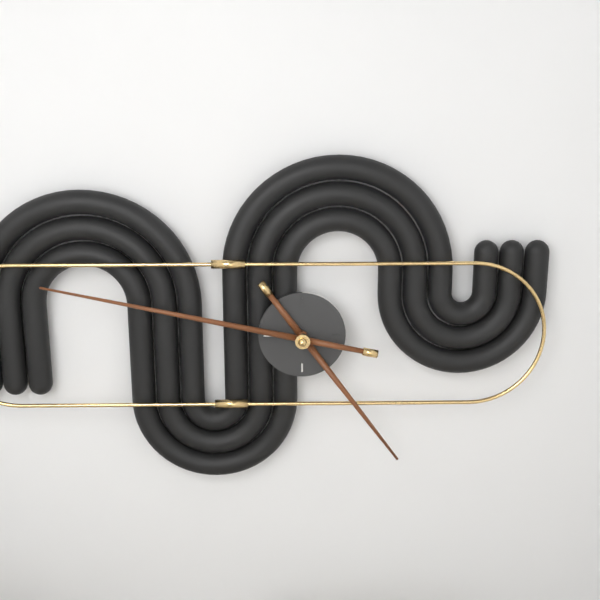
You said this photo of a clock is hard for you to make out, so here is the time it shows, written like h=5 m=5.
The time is h=4 m=47
